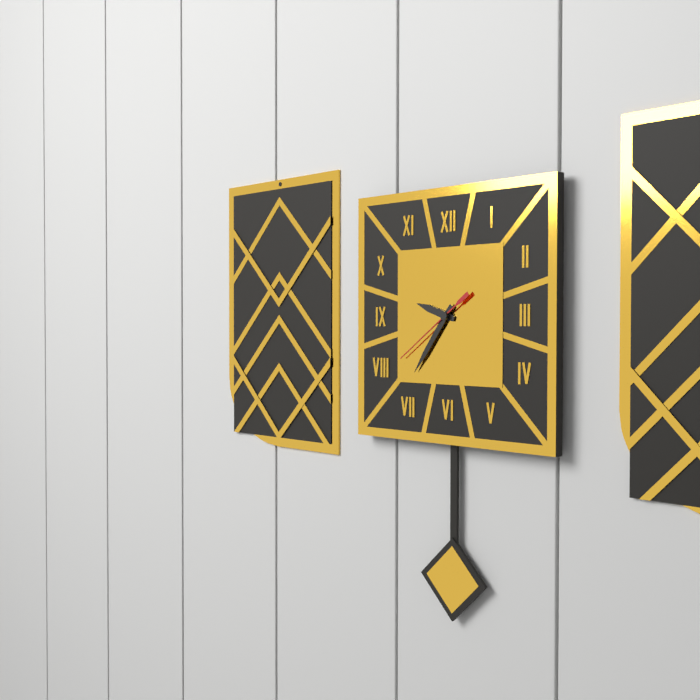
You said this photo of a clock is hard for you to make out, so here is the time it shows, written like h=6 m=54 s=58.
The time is h=9 m=36 s=39
